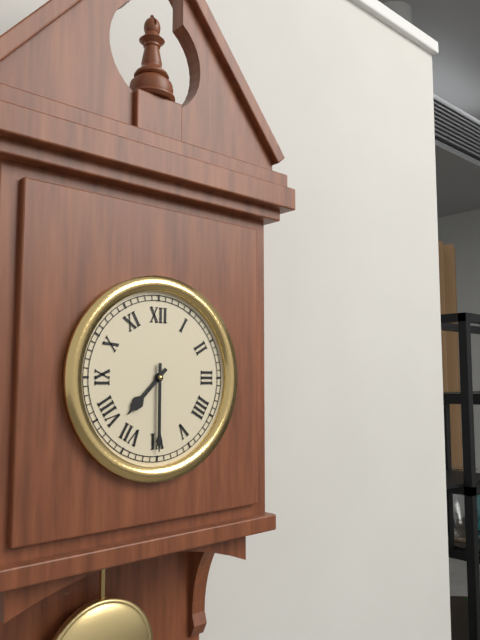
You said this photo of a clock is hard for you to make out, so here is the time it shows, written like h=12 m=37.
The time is h=7 m=30
